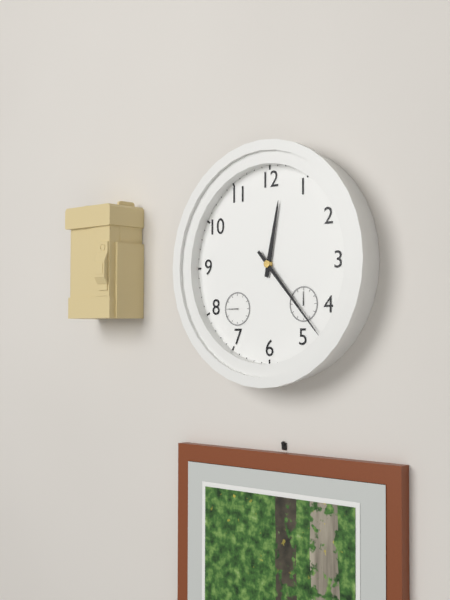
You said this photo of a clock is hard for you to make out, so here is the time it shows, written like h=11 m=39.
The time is h=12 m=23
